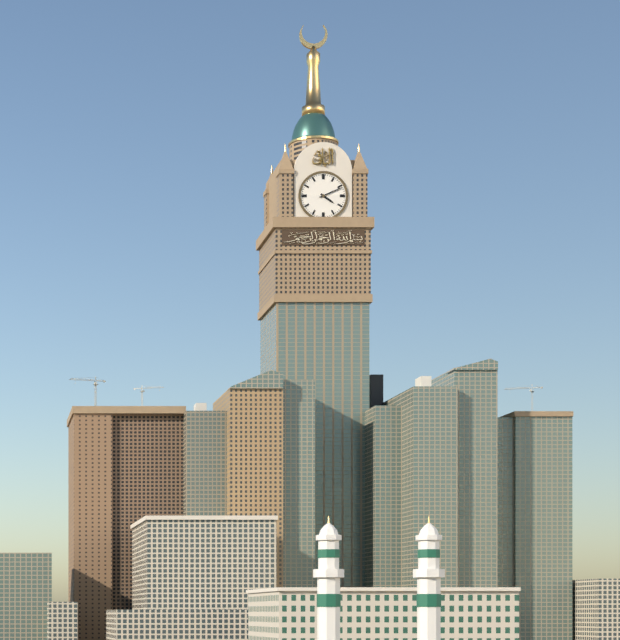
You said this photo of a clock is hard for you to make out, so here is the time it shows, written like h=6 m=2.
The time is h=4 m=11
